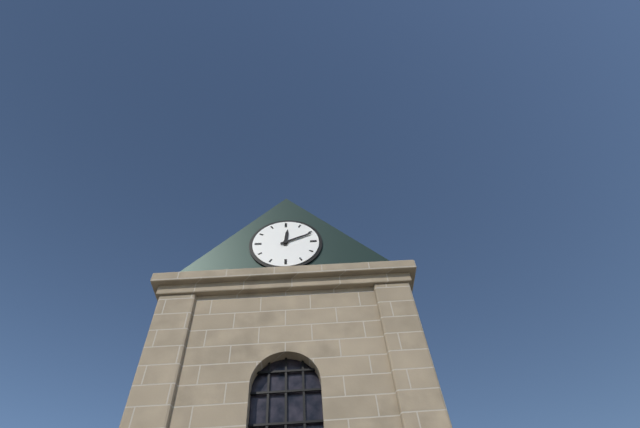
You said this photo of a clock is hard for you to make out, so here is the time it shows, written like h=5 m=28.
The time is h=12 m=11
